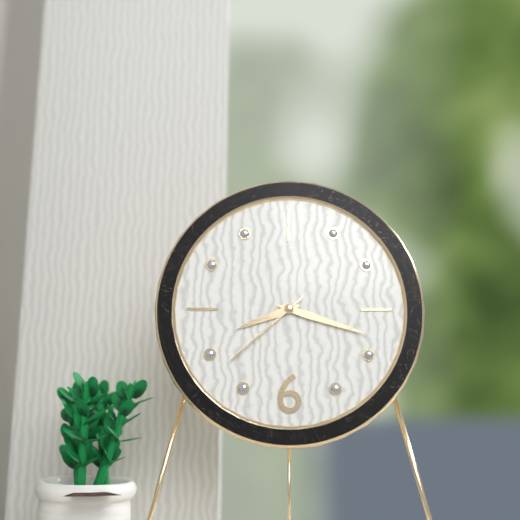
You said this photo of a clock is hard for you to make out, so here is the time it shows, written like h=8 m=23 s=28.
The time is h=8 m=18 s=38
